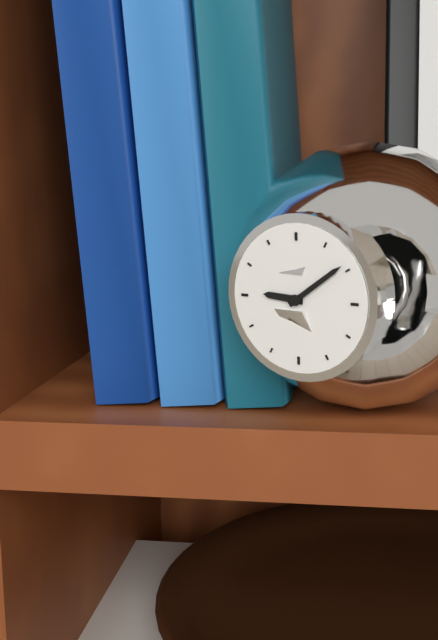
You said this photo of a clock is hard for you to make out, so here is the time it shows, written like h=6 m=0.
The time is h=9 m=9
